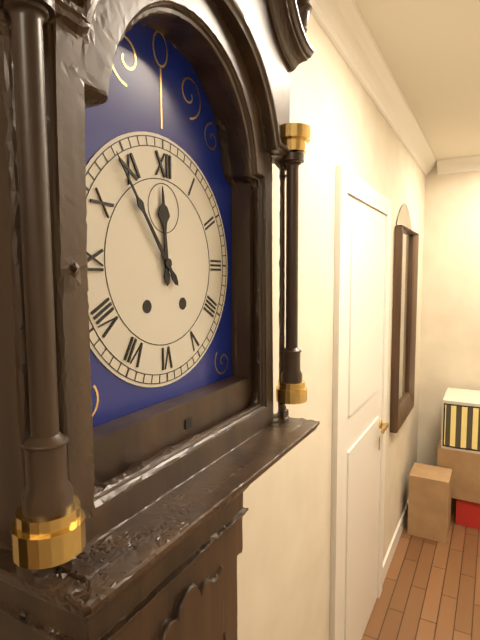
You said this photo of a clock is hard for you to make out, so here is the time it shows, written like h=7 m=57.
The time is h=11 m=54
